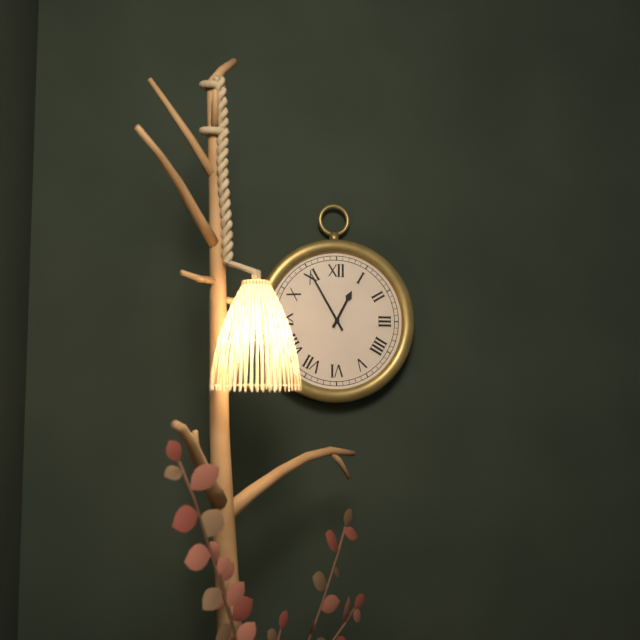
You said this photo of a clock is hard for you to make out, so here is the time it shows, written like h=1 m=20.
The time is h=12 m=55
